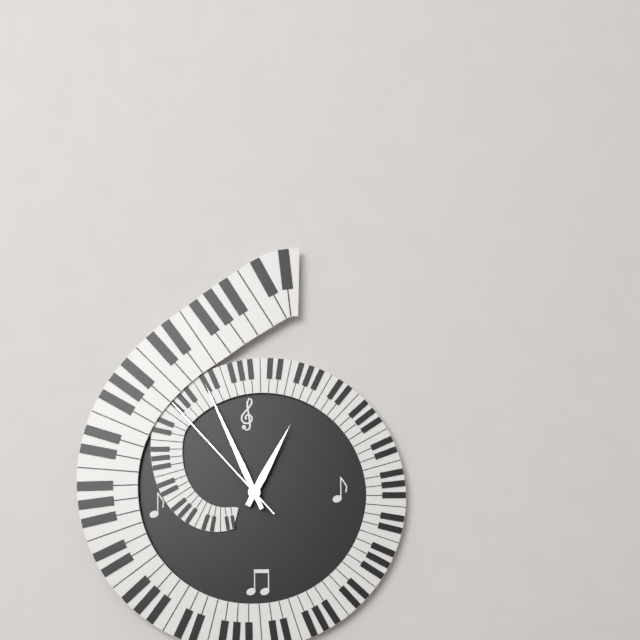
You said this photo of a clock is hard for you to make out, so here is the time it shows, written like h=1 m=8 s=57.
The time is h=12 m=56 s=53
